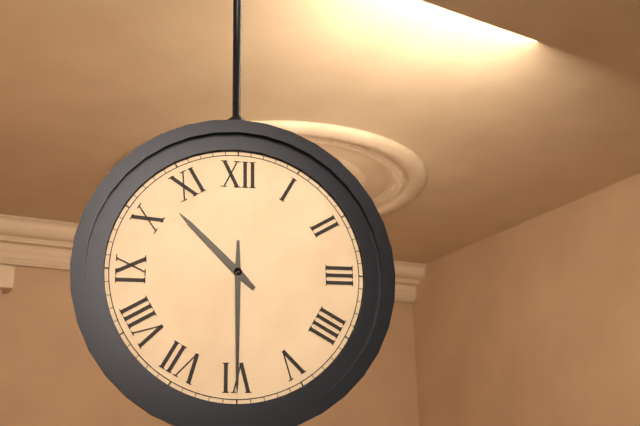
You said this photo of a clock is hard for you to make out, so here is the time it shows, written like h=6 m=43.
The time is h=10 m=30
